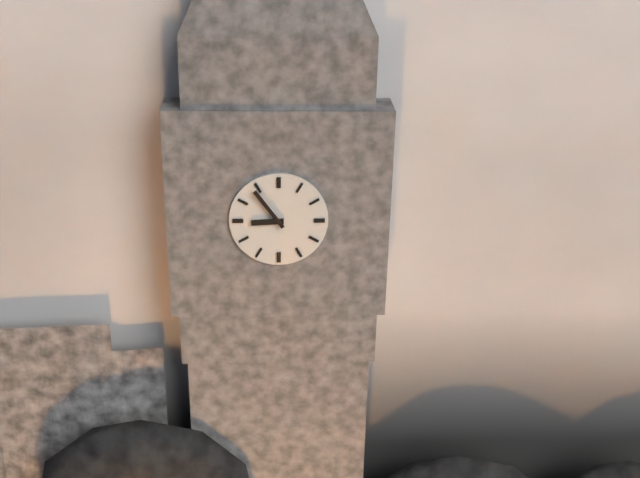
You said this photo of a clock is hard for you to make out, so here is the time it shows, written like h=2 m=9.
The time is h=8 m=54
